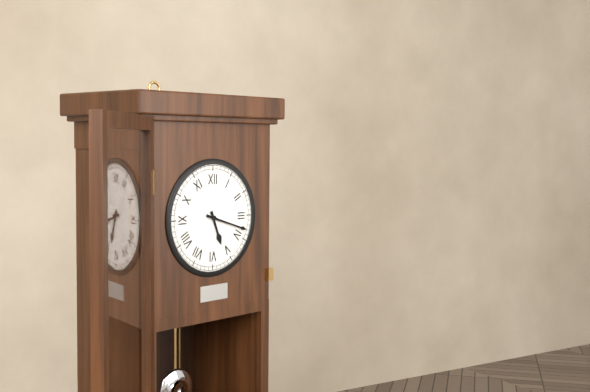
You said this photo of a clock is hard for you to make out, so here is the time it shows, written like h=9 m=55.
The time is h=5 m=18
